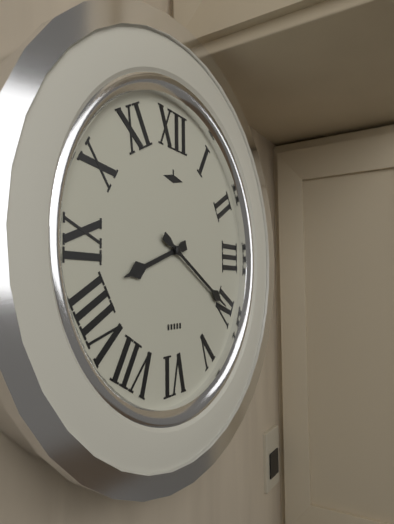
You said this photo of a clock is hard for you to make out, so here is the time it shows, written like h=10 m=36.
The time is h=8 m=20
